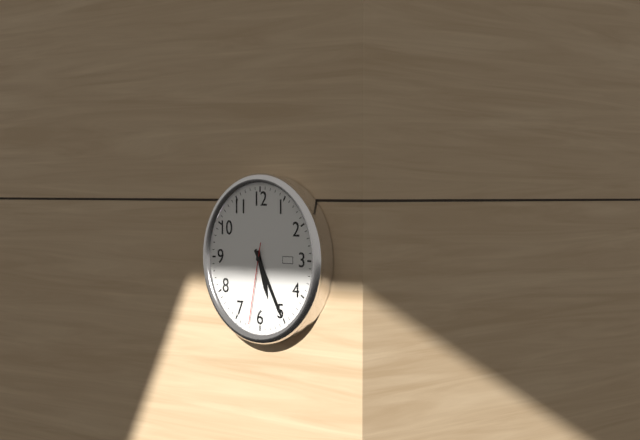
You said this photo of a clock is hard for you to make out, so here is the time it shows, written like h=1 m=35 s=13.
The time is h=5 m=25 s=32
